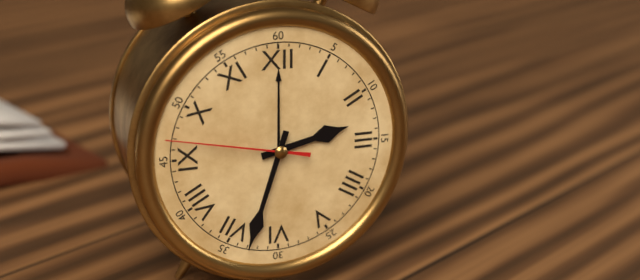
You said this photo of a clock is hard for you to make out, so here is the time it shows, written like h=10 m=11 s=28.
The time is h=2 m=33 s=47
